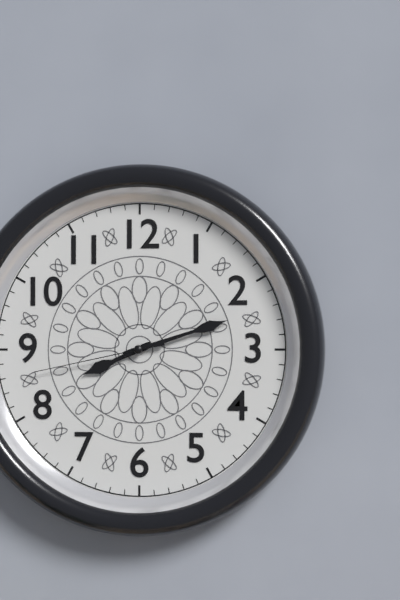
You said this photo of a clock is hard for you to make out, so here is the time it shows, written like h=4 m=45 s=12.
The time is h=8 m=12 s=43
